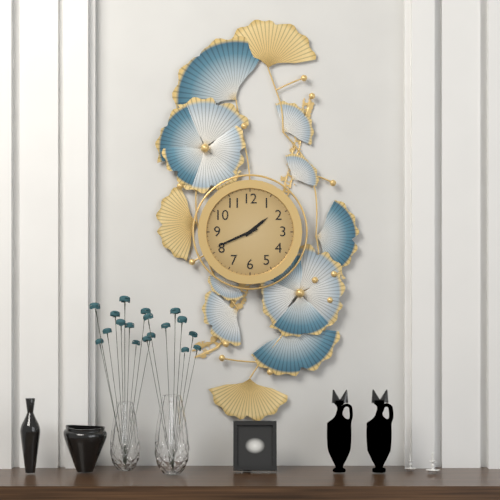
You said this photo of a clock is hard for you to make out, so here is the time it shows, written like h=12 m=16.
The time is h=1 m=41
